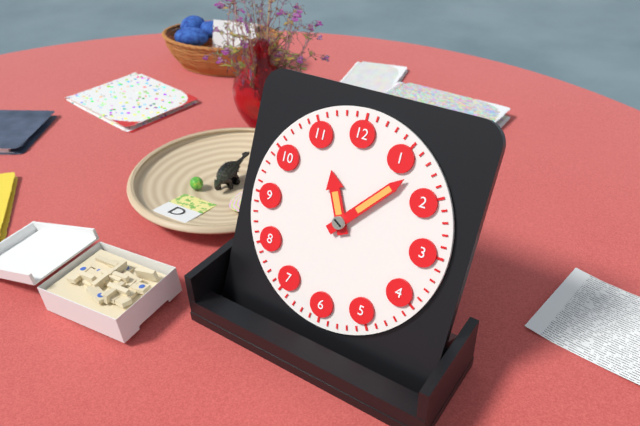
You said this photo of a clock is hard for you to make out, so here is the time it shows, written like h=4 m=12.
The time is h=11 m=7
